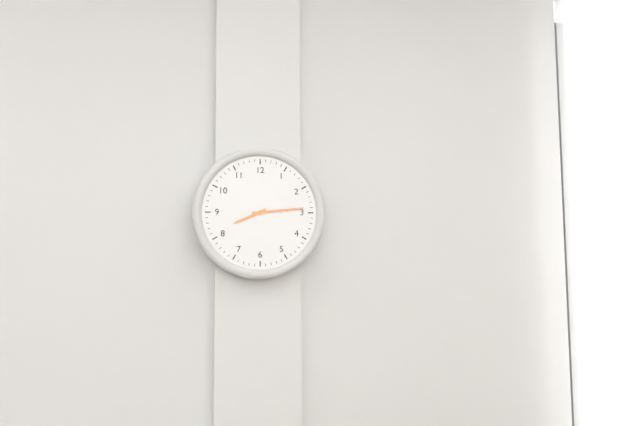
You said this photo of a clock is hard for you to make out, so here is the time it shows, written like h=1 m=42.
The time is h=8 m=14
